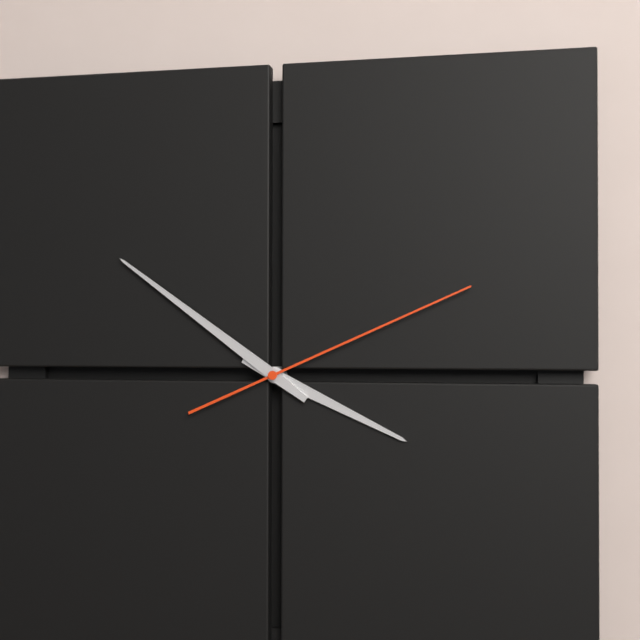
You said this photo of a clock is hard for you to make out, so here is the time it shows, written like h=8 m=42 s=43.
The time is h=3 m=51 s=11
